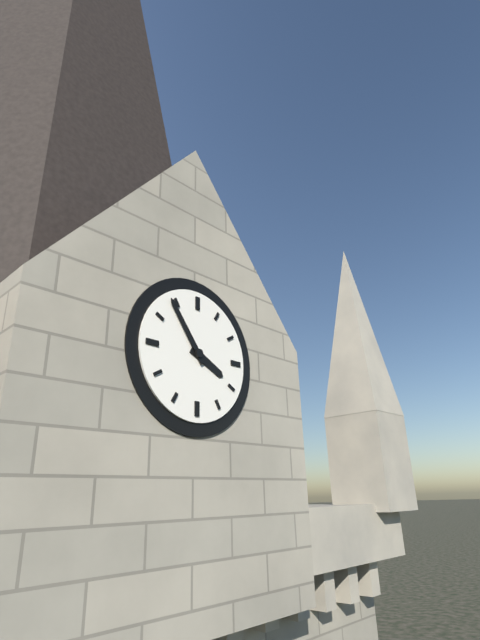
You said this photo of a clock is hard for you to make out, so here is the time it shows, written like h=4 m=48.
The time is h=3 m=54
